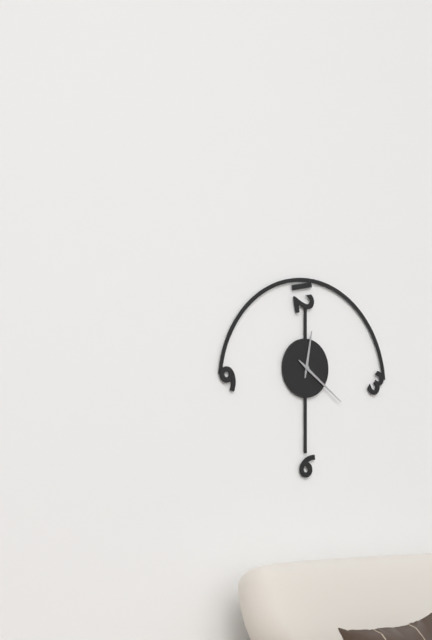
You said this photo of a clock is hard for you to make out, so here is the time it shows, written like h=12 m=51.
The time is h=12 m=21
